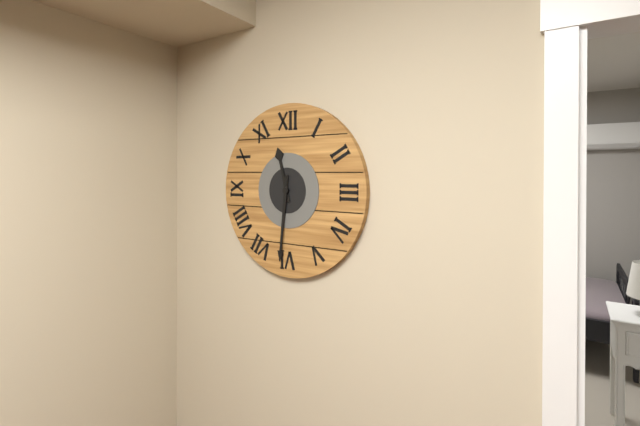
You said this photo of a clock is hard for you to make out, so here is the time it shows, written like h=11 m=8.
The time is h=11 m=31
